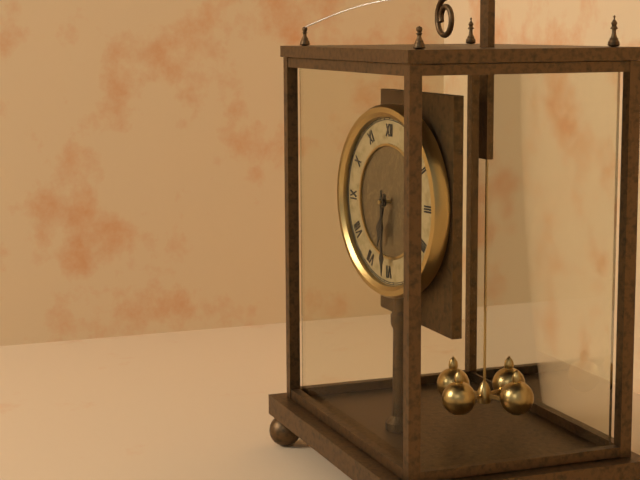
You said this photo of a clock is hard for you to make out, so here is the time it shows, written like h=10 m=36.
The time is h=6 m=30
